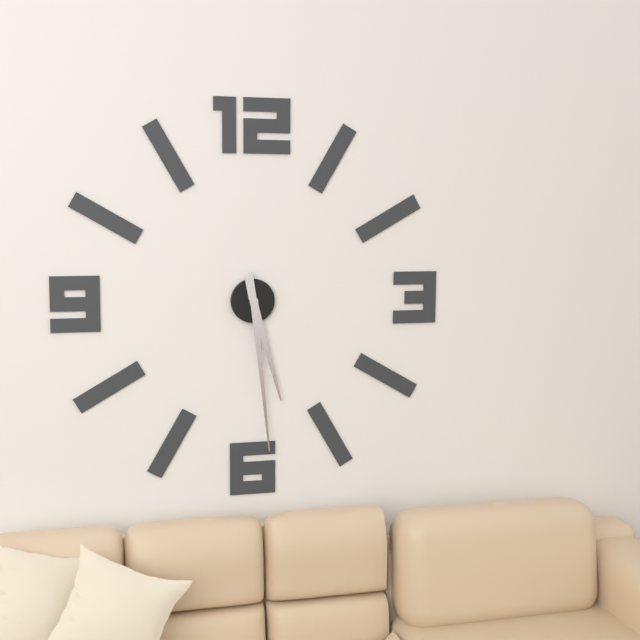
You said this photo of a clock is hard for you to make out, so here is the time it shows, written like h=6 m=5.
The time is h=5 m=29
